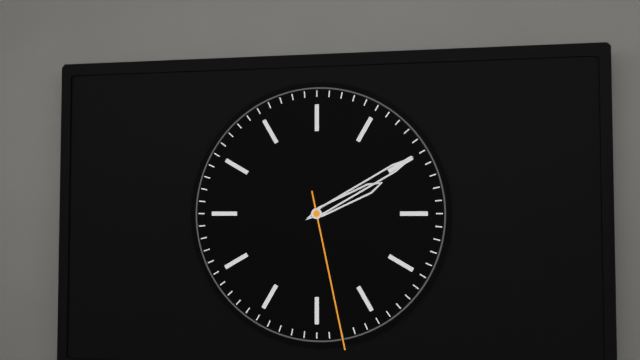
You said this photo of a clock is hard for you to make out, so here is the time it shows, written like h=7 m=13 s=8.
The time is h=2 m=10 s=28
